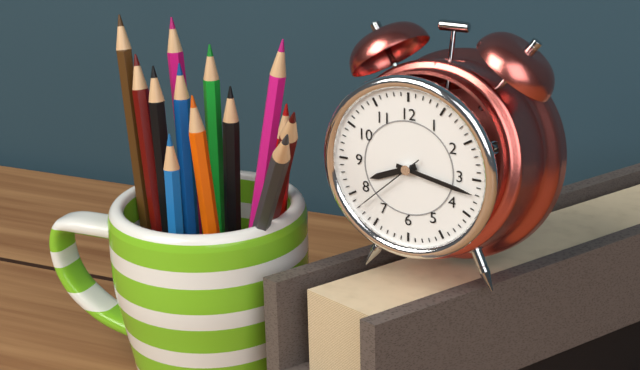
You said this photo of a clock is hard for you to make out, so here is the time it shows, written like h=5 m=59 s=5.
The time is h=8 m=17 s=38
